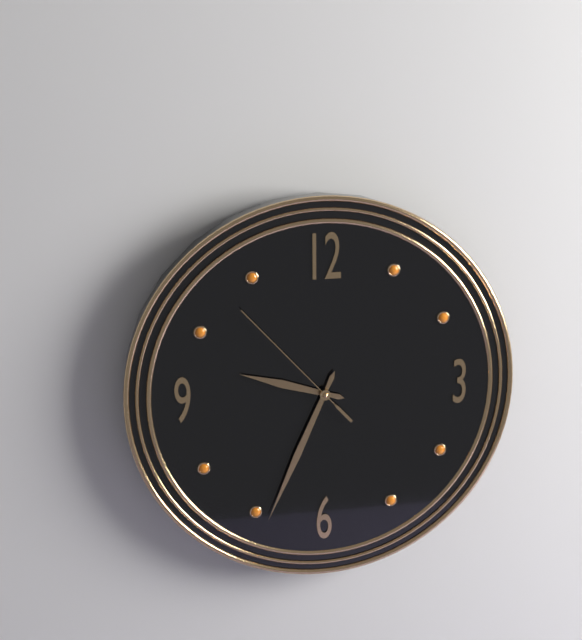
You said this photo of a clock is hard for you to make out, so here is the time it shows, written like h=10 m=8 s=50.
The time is h=9 m=34 s=53
